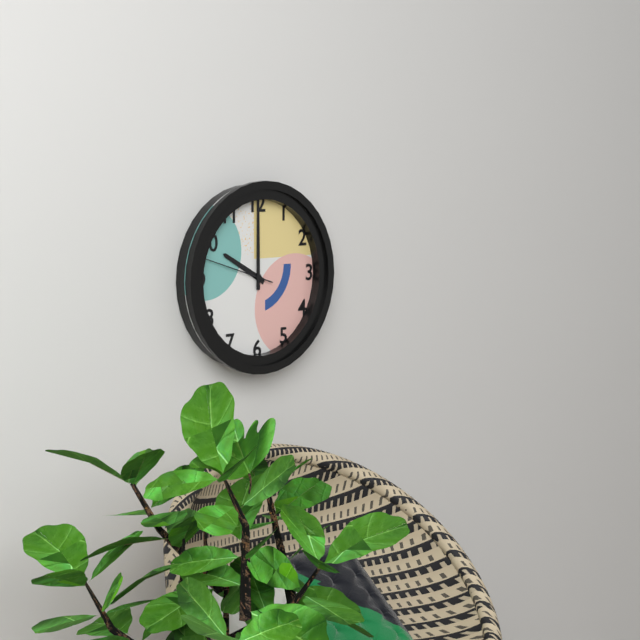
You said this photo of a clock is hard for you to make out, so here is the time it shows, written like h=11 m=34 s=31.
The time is h=10 m=0 s=48
